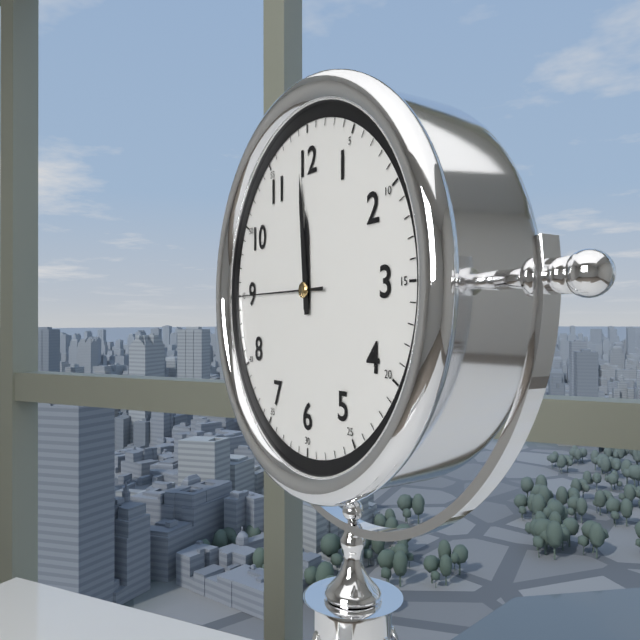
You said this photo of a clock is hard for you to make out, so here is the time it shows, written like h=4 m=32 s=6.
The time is h=11 m=59 s=45
